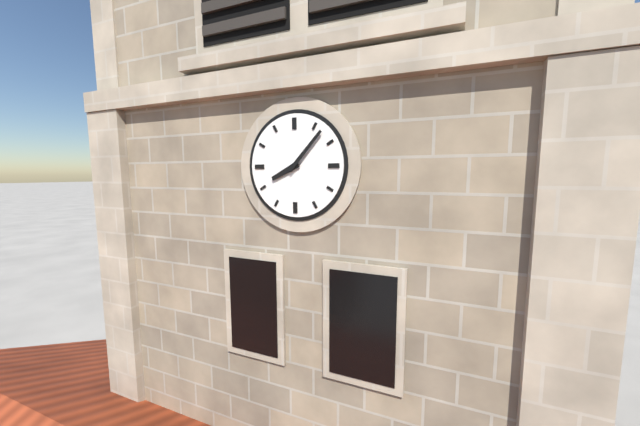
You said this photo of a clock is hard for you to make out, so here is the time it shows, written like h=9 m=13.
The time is h=8 m=7
